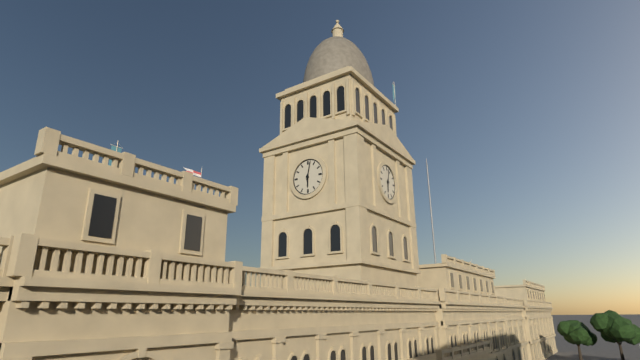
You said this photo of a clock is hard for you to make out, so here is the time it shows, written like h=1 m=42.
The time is h=6 m=2
